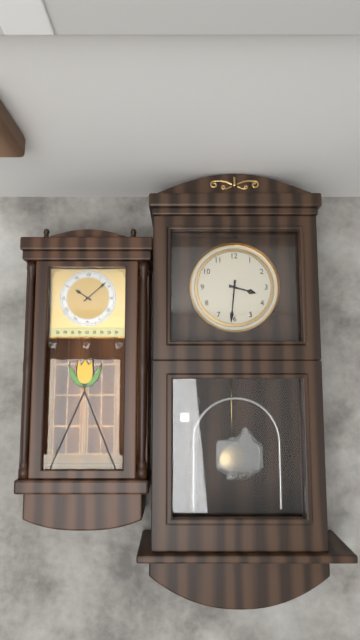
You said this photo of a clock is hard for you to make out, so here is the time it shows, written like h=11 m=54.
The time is h=3 m=31
